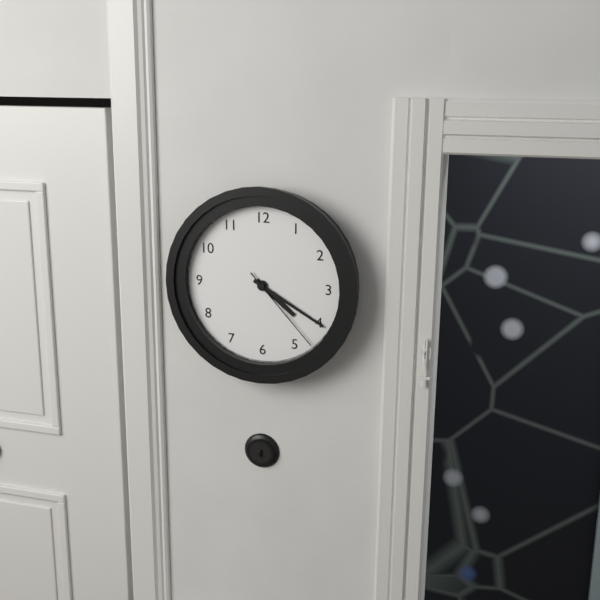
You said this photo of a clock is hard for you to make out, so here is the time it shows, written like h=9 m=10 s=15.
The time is h=4 m=20 s=23
